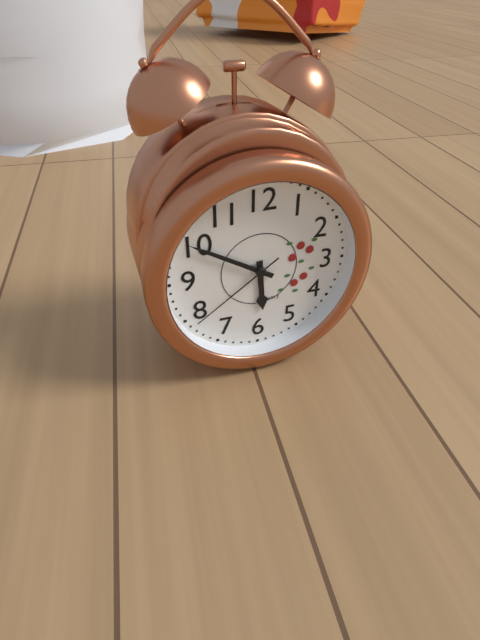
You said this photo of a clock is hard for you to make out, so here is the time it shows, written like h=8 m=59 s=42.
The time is h=5 m=50 s=39
